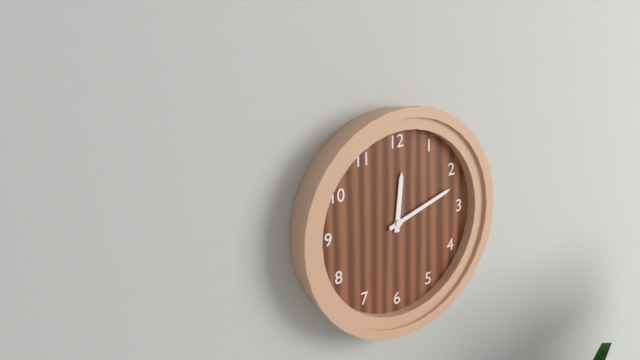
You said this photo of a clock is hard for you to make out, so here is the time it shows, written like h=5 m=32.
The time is h=12 m=12
